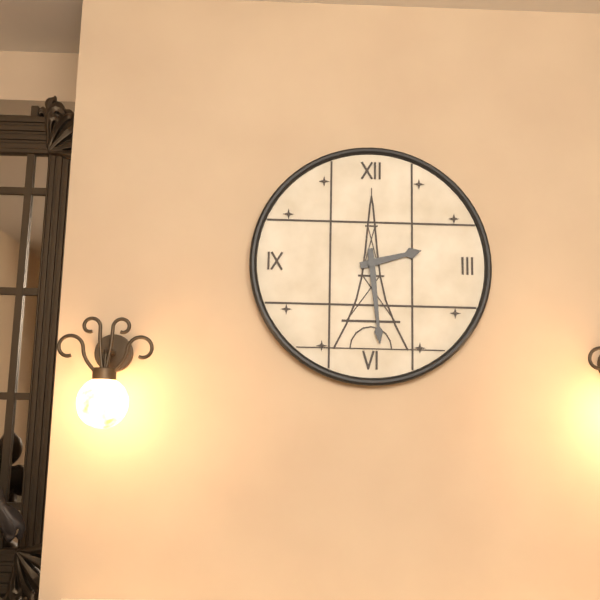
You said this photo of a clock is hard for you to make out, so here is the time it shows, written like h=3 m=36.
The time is h=2 m=29
